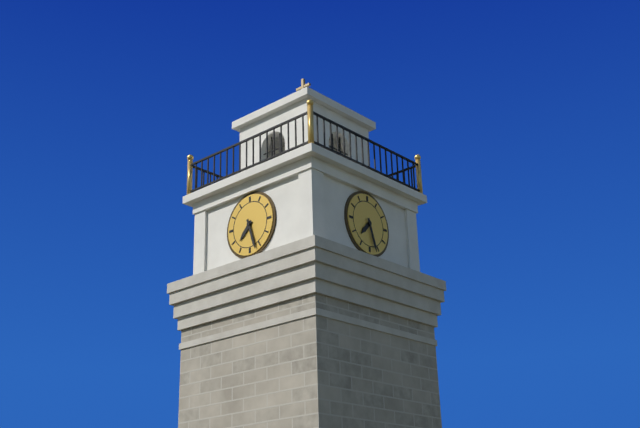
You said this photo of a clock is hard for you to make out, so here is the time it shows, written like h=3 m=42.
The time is h=7 m=27
